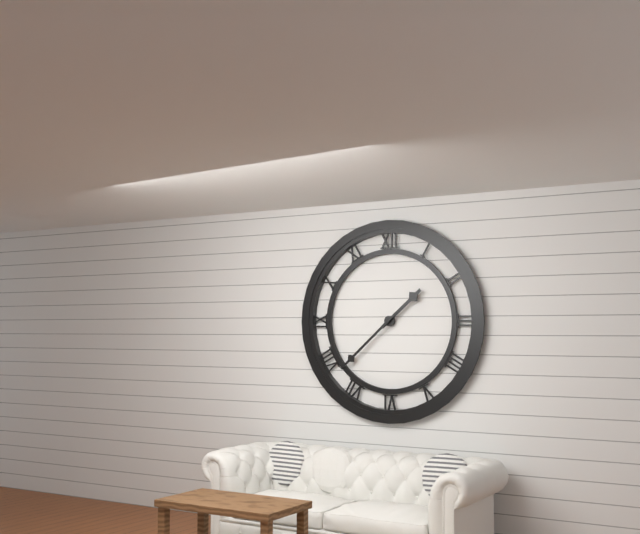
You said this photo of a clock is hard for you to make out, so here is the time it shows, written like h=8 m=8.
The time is h=1 m=38
